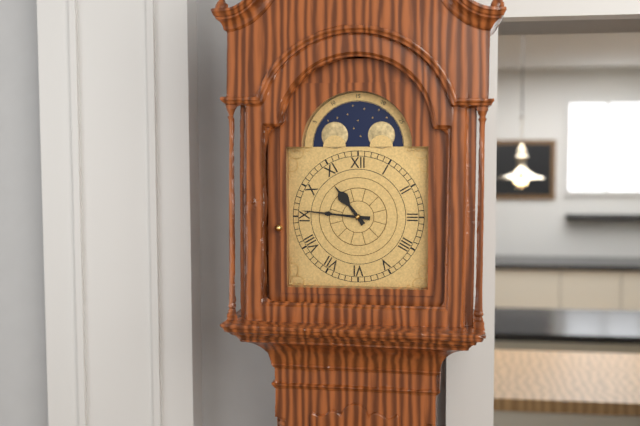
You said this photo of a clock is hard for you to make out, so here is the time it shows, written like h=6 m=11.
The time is h=10 m=46
